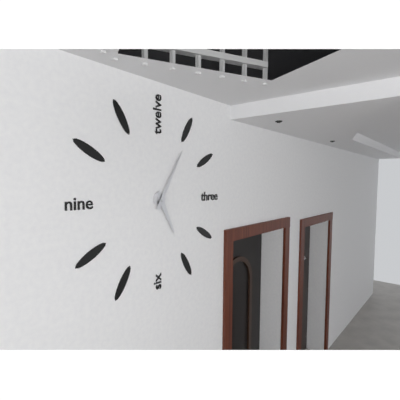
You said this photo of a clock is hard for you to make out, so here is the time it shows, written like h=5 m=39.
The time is h=5 m=5
